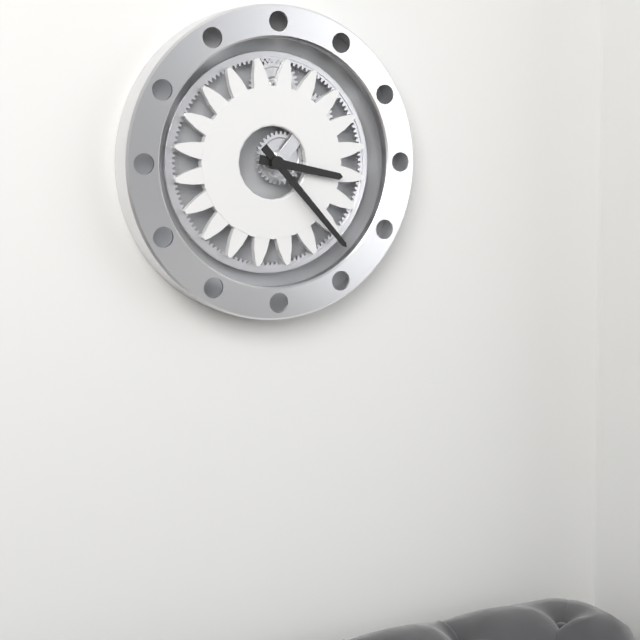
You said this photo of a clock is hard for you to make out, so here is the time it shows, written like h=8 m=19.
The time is h=3 m=23
